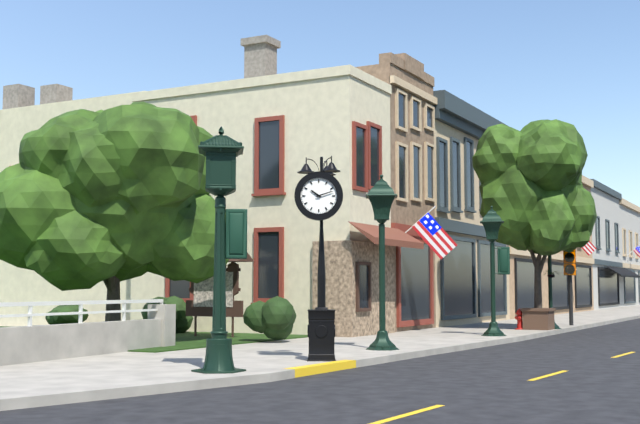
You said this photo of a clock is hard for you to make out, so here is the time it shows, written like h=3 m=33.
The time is h=10 m=12
